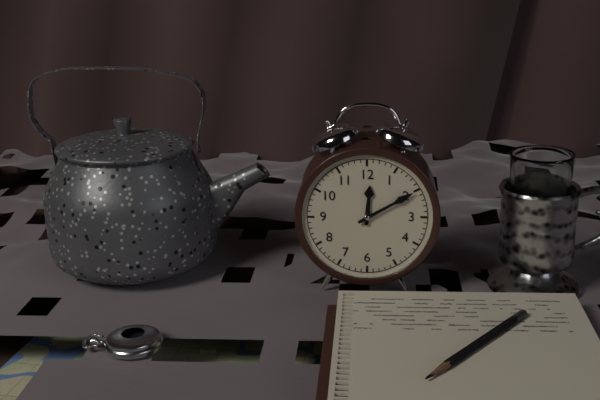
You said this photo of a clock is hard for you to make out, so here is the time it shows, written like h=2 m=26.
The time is h=12 m=10
